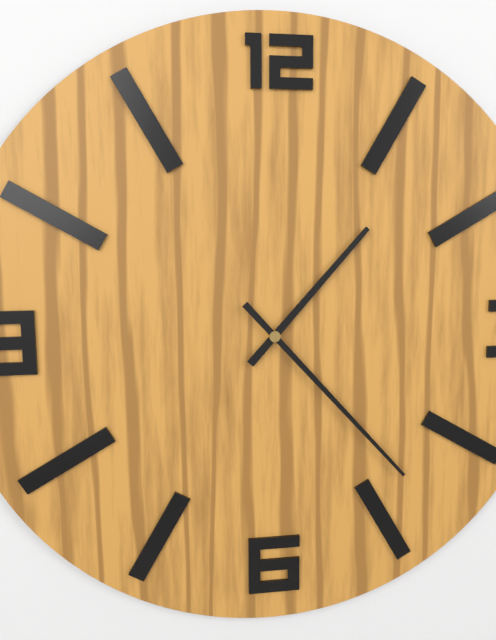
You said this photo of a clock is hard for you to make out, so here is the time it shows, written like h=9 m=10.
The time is h=1 m=23
